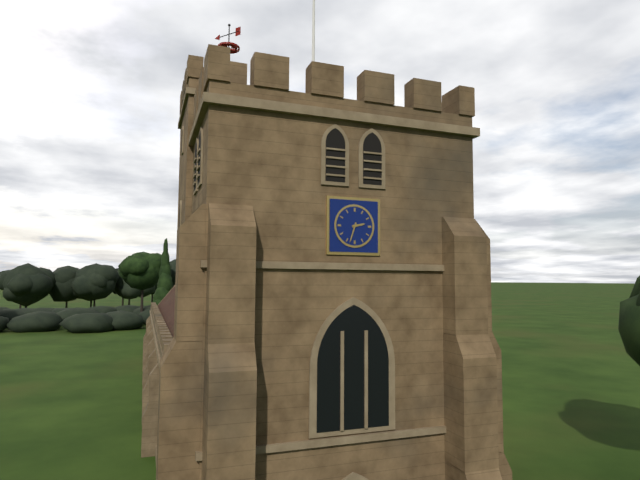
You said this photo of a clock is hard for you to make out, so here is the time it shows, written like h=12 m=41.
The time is h=2 m=33
